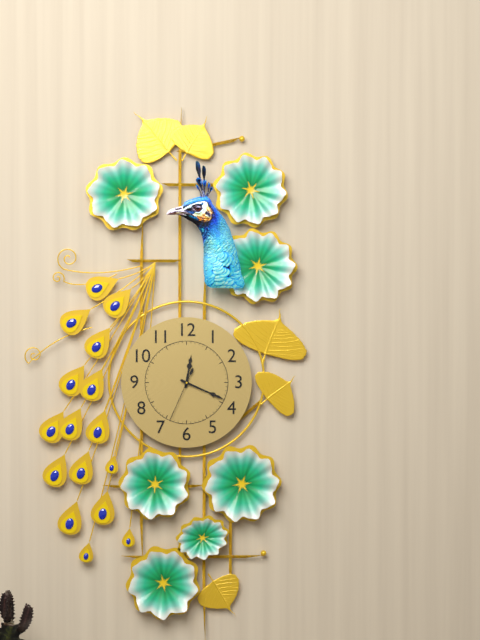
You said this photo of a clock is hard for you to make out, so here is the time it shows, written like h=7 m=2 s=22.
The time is h=12 m=19 s=34
